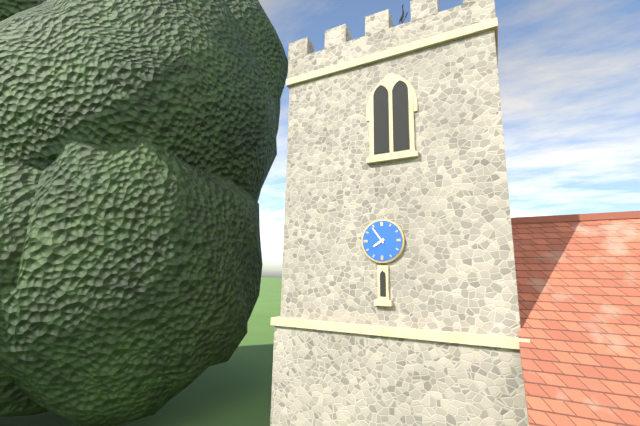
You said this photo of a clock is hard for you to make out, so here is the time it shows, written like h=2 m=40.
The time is h=7 m=54
